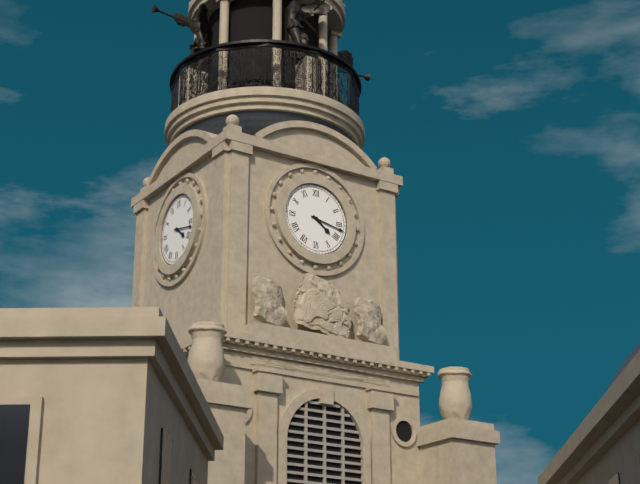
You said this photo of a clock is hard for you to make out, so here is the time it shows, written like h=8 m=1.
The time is h=4 m=17
